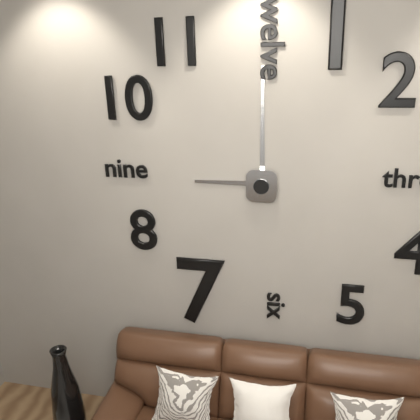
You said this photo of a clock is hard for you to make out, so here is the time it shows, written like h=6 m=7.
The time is h=9 m=0
